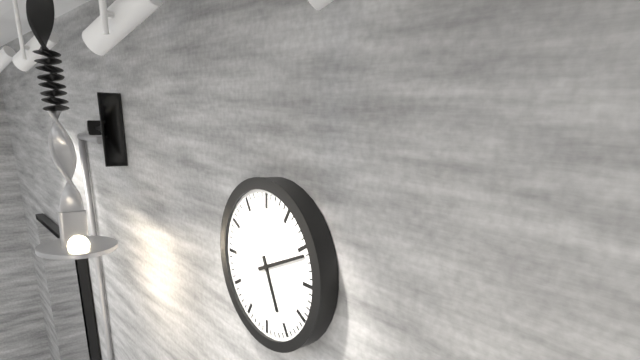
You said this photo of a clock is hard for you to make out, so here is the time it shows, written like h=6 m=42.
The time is h=5 m=11
